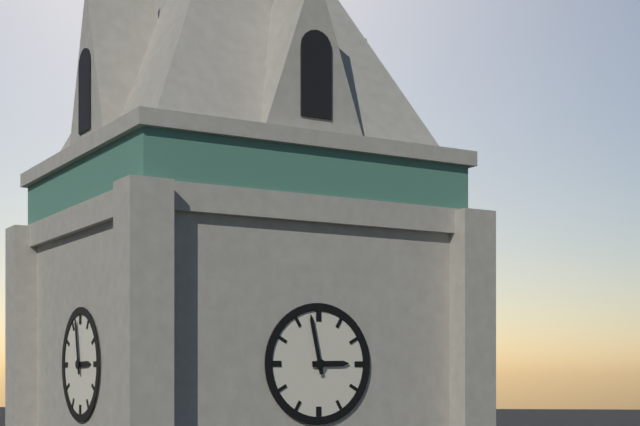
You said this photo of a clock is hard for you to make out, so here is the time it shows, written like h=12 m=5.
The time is h=2 m=58
